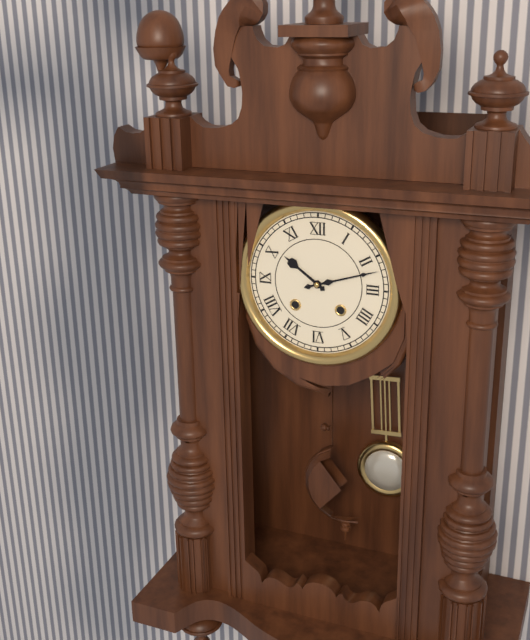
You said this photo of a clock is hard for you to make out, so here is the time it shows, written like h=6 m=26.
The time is h=10 m=12
